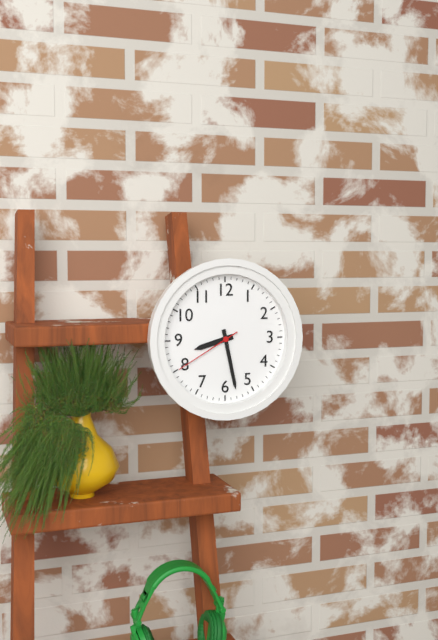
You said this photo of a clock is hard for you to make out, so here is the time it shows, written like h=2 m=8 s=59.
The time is h=8 m=28 s=40
